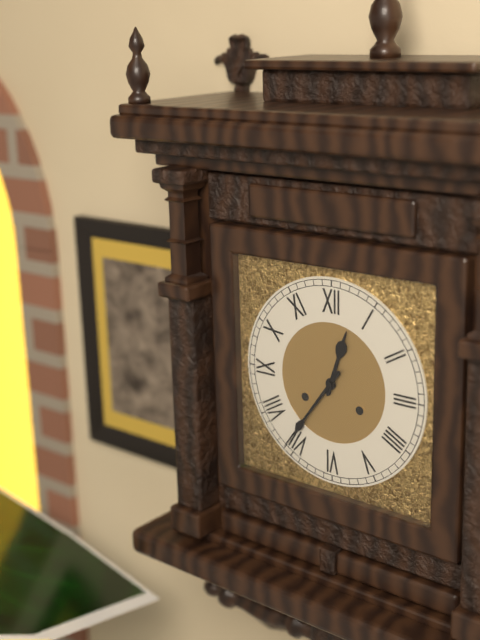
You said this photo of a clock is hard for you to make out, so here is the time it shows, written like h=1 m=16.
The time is h=12 m=36
